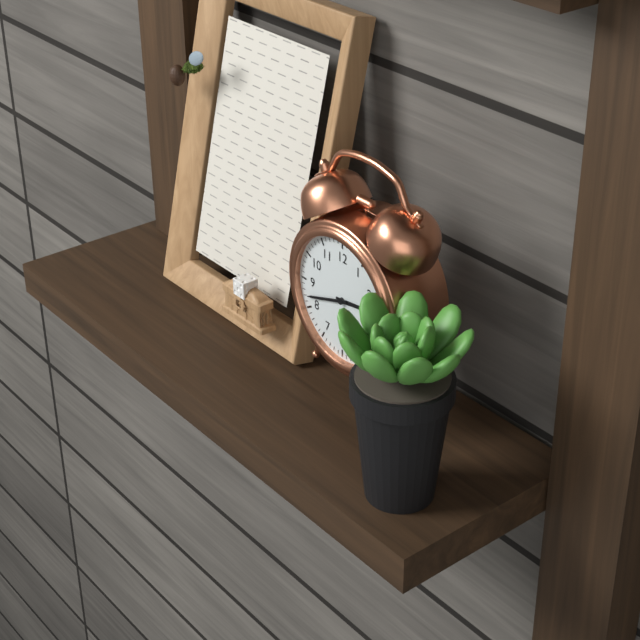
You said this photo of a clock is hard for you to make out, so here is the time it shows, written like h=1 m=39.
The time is h=2 m=42
